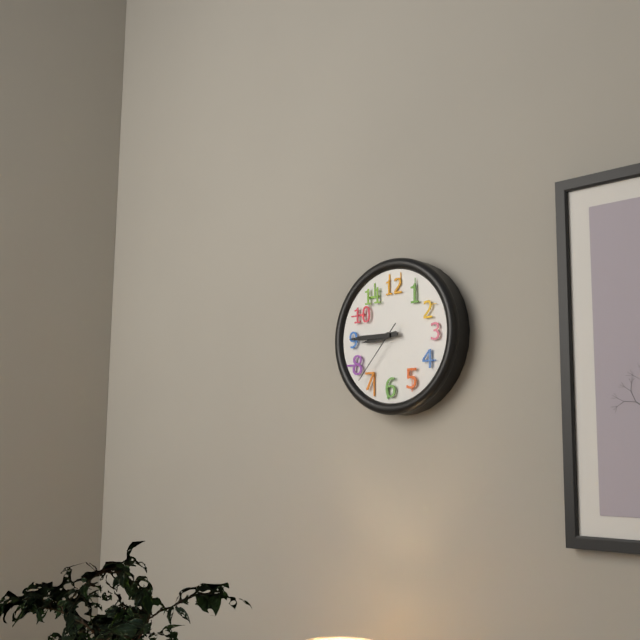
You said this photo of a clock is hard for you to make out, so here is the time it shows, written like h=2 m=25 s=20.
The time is h=8 m=45 s=37
